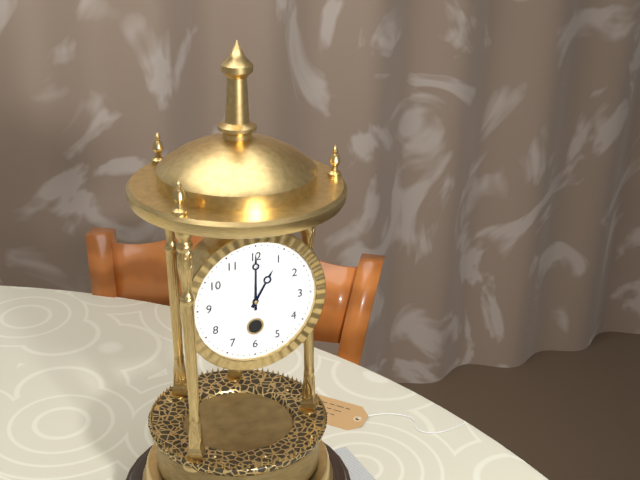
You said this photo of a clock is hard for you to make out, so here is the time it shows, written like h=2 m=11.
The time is h=1 m=0
